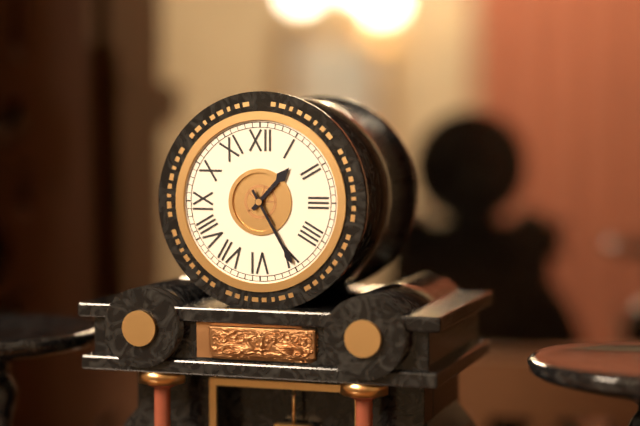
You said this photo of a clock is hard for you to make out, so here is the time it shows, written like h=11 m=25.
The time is h=1 m=25
